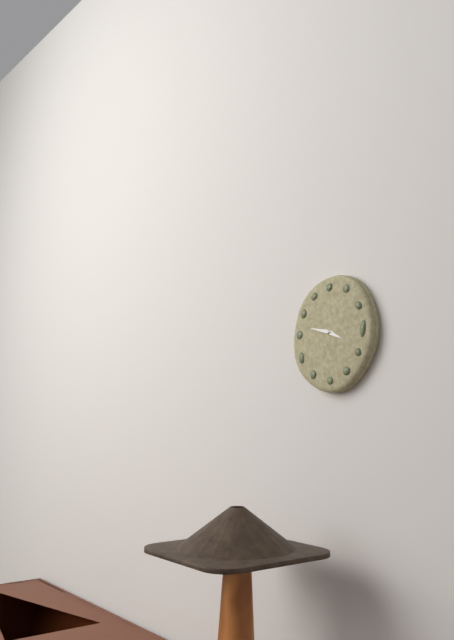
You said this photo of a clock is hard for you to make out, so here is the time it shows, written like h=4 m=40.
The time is h=3 m=47
